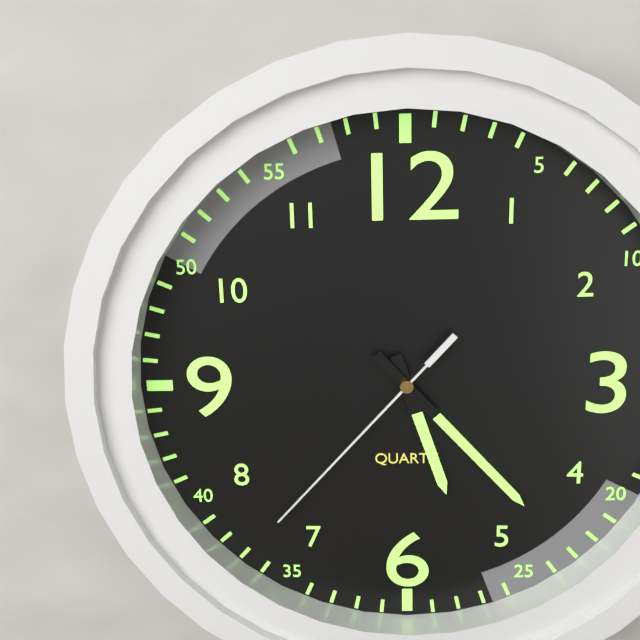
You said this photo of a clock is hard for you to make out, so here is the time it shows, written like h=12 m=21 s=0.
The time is h=5 m=23 s=37
